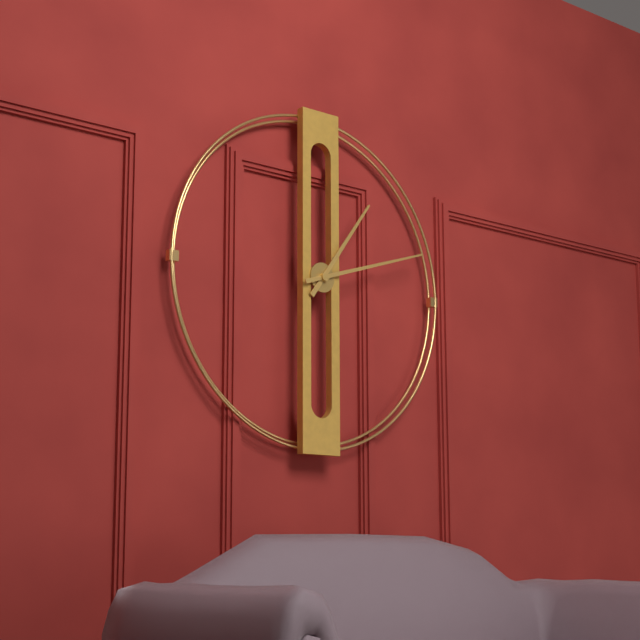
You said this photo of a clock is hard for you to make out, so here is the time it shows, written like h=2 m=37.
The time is h=1 m=12
